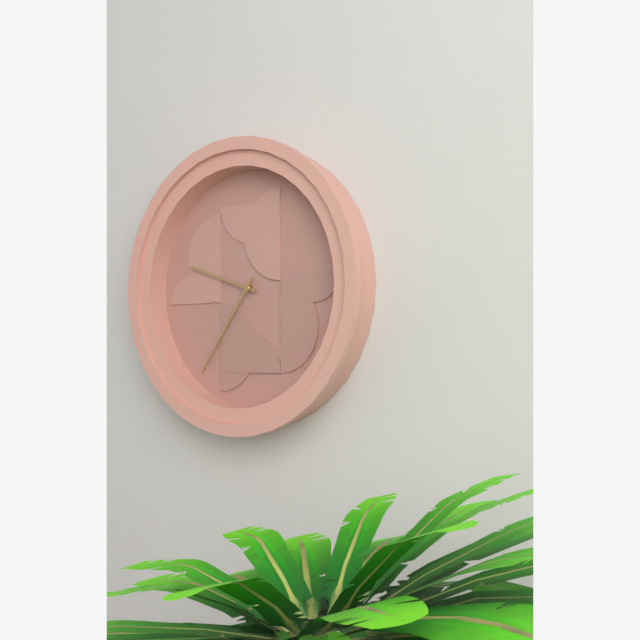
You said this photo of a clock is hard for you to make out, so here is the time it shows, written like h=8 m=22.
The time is h=9 m=36
